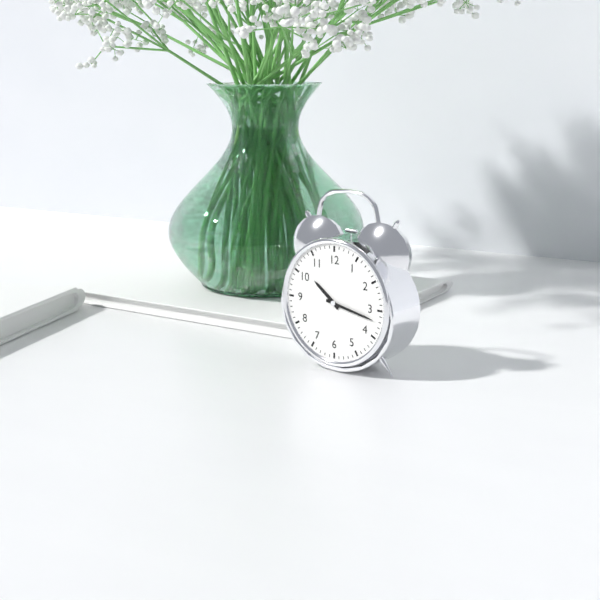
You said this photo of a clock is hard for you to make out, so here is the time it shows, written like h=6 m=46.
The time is h=10 m=17
